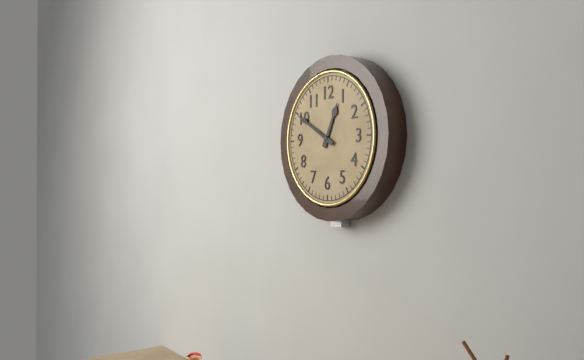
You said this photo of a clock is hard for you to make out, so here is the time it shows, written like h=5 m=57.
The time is h=12 m=50
